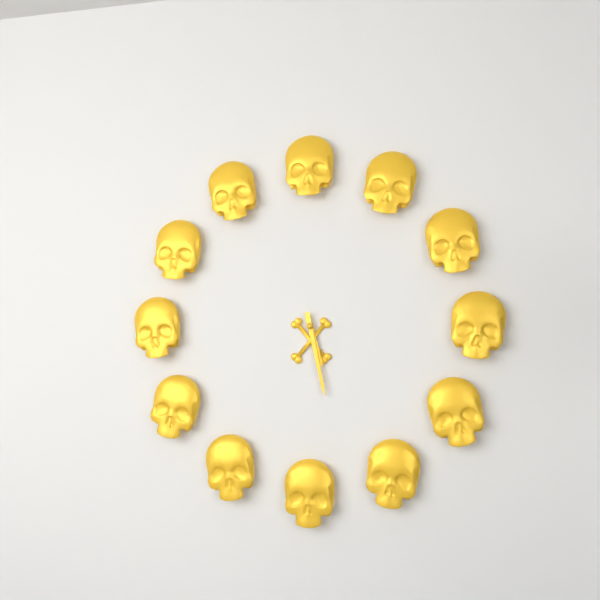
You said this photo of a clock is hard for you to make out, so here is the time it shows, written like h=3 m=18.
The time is h=5 m=28
